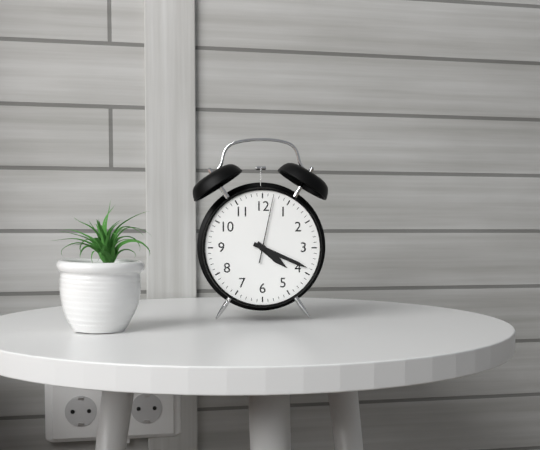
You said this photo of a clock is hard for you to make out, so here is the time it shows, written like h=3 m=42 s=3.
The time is h=4 m=19 s=2
